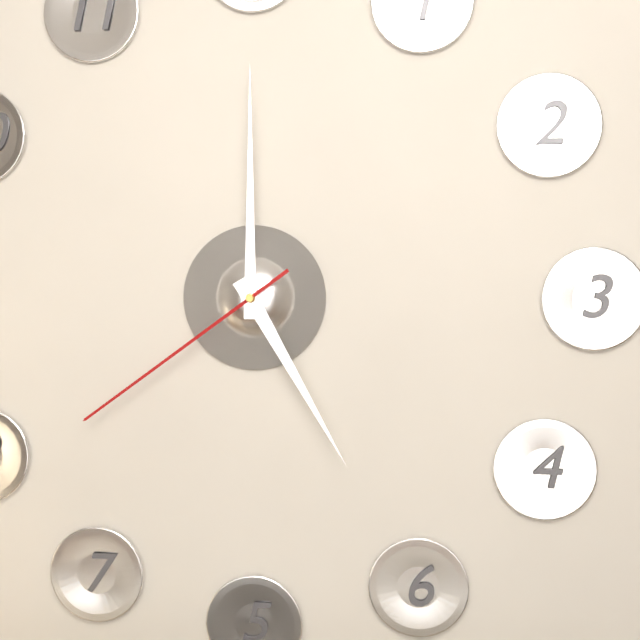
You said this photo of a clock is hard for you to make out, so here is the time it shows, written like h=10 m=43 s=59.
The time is h=5 m=0 s=39
